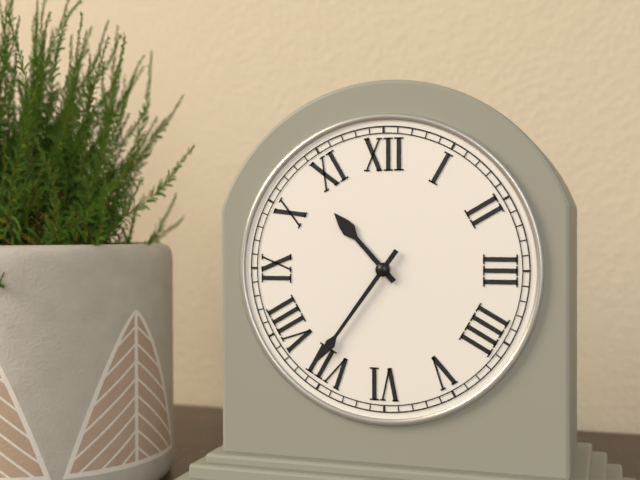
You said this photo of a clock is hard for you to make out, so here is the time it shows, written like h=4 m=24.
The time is h=10 m=36
